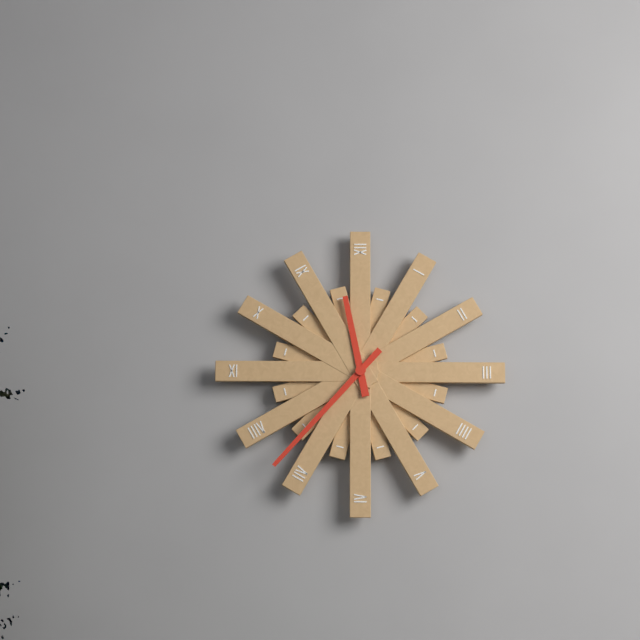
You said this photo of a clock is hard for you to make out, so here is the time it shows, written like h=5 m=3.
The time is h=11 m=37
